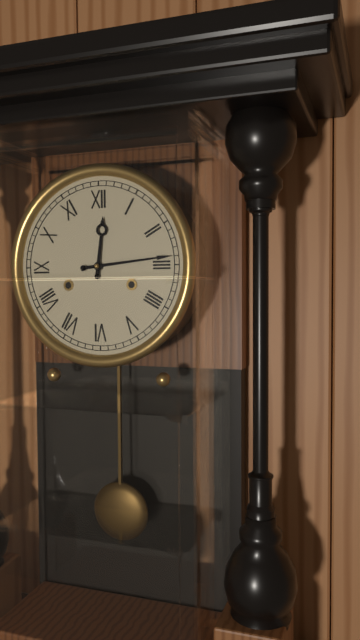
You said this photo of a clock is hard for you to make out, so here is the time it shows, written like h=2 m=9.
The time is h=12 m=14
